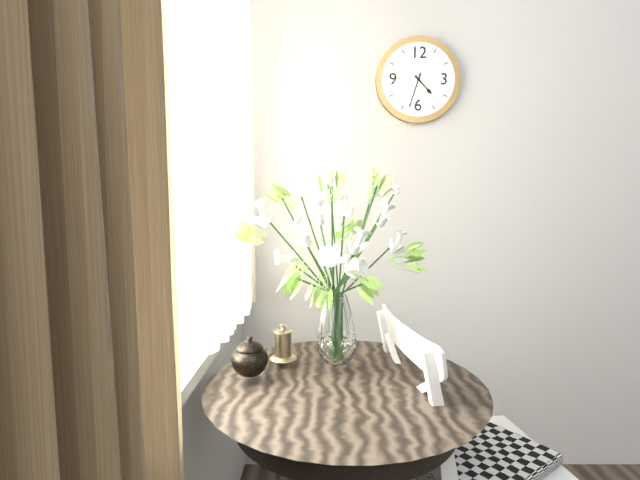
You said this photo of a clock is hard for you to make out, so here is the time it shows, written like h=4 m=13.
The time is h=4 m=33
